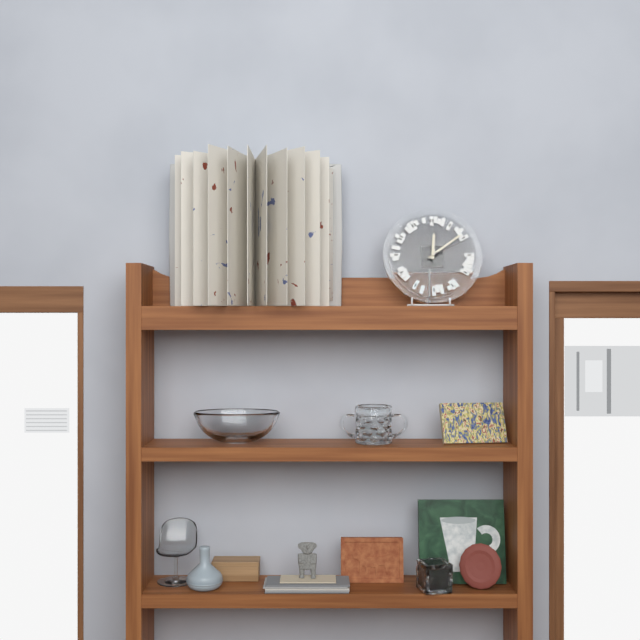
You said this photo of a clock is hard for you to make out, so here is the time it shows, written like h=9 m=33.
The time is h=12 m=9
